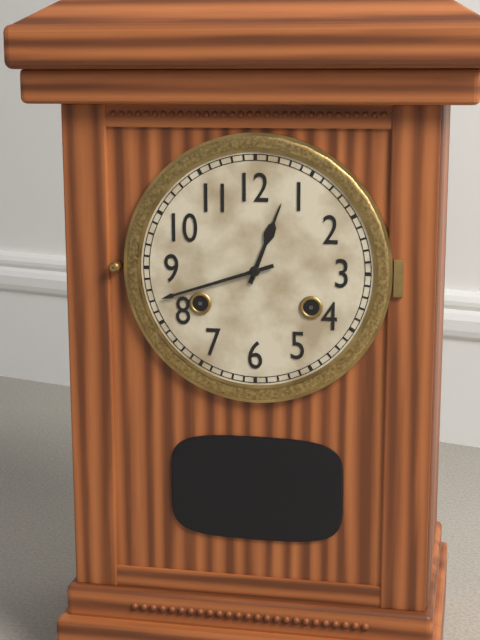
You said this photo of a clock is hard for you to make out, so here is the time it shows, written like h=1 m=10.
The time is h=12 m=42
